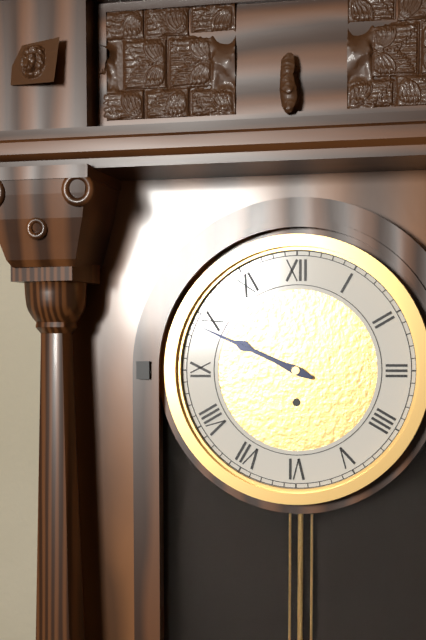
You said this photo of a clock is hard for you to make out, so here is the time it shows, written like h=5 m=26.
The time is h=9 m=49
